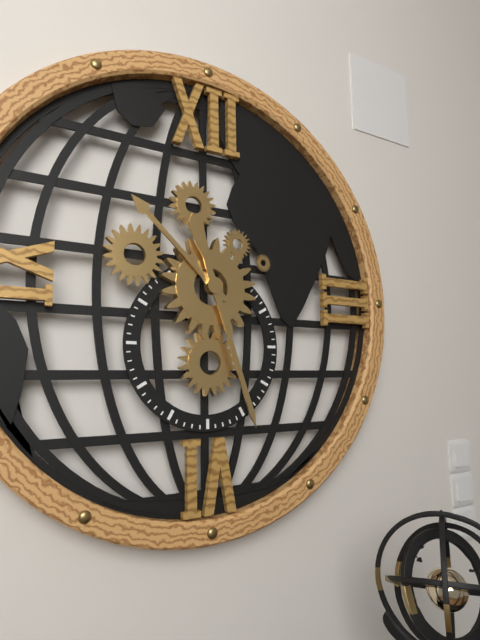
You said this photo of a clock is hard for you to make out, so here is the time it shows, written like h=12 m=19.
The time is h=10 m=27
